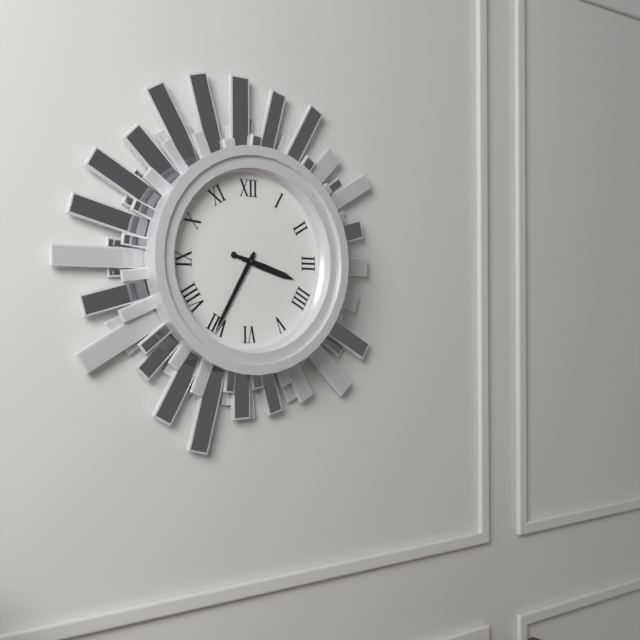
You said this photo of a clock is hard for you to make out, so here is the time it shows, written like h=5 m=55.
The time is h=3 m=35
